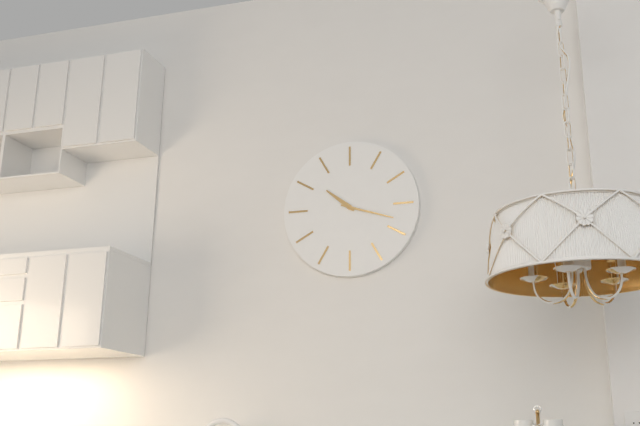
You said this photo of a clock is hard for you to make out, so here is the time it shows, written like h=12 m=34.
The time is h=10 m=18
